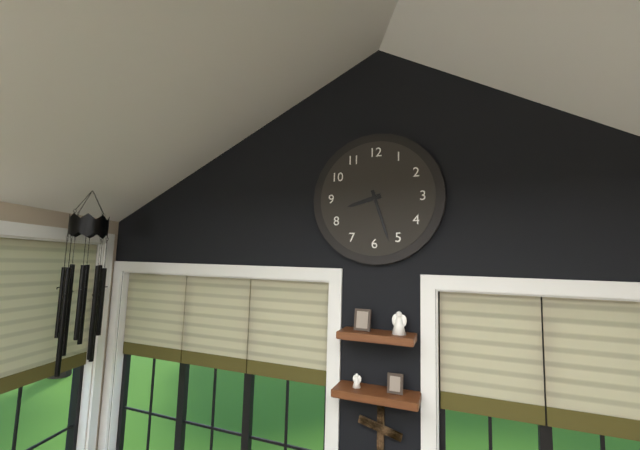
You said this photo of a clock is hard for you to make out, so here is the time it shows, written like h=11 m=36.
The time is h=8 m=27
